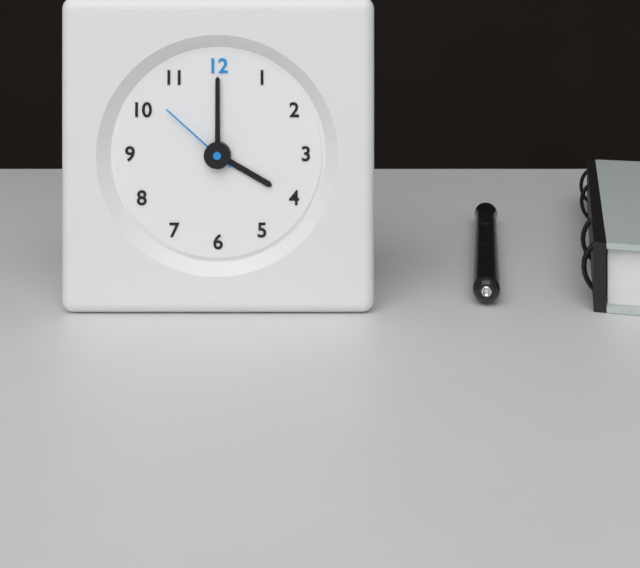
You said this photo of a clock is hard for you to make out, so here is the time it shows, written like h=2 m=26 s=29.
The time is h=4 m=0 s=52
